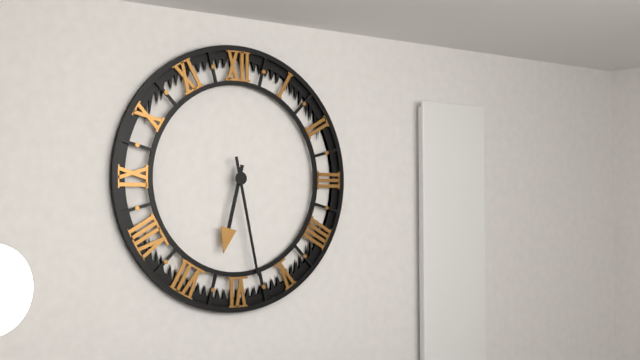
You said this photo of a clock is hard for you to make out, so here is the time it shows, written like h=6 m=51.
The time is h=6 m=28
